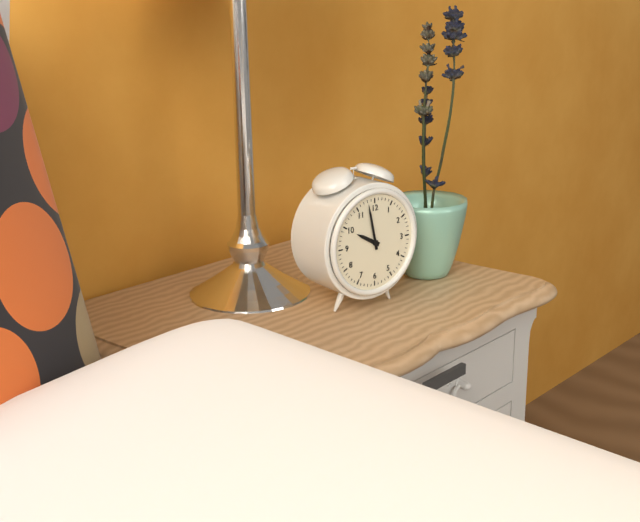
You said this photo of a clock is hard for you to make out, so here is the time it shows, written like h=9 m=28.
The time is h=9 m=58
